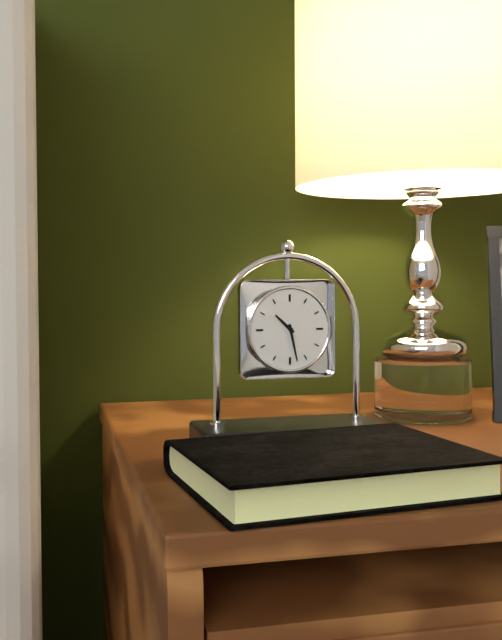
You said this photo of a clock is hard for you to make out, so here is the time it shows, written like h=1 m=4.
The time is h=10 m=28
